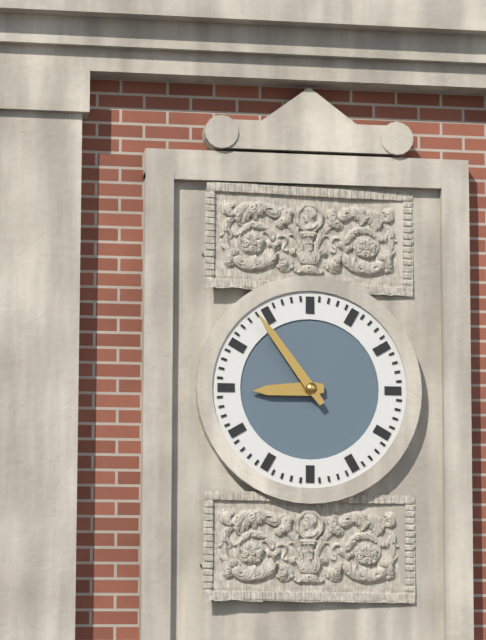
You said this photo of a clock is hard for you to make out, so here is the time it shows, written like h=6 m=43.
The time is h=8 m=54
